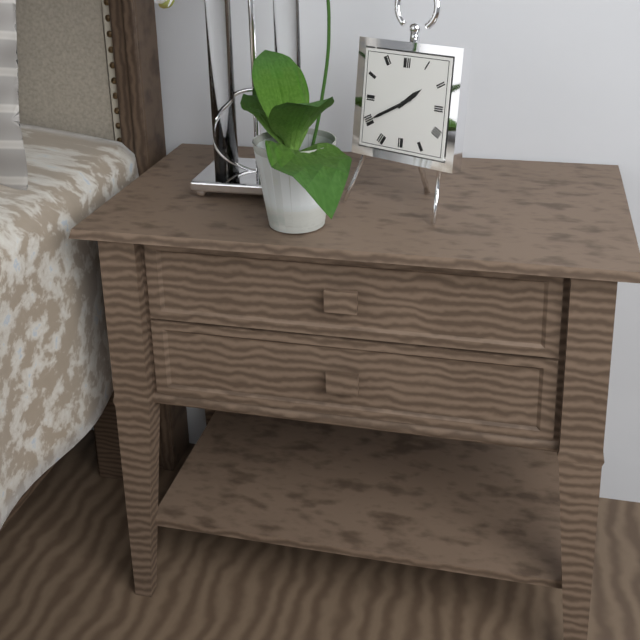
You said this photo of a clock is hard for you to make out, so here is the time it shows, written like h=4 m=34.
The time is h=1 m=40
